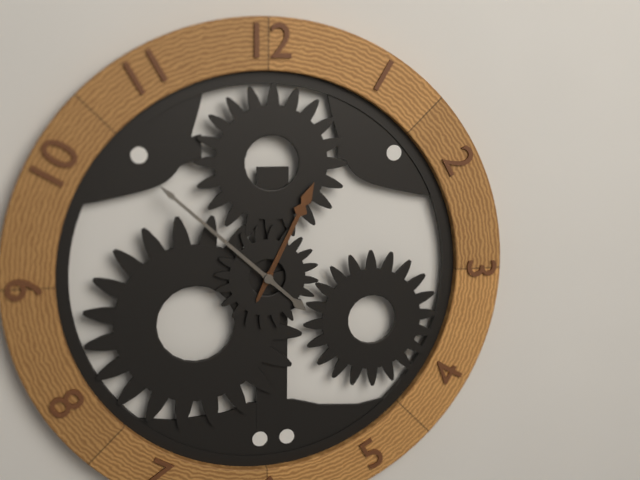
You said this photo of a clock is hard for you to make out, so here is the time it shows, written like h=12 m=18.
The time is h=12 m=52
